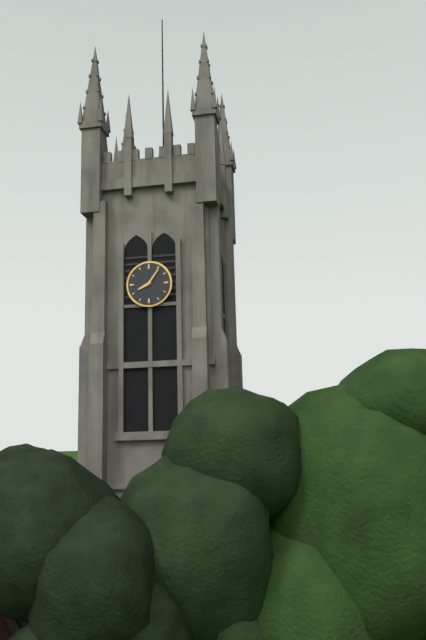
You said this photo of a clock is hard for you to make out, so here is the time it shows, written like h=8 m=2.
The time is h=8 m=6
